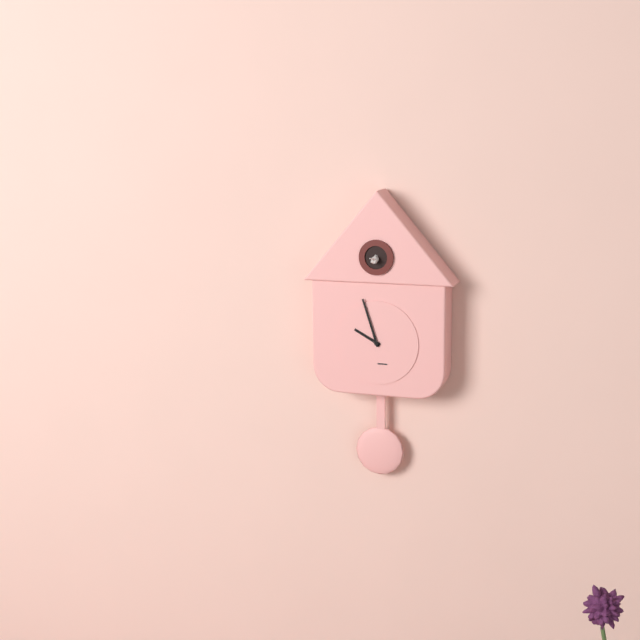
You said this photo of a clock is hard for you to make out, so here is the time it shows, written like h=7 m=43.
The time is h=9 m=57
